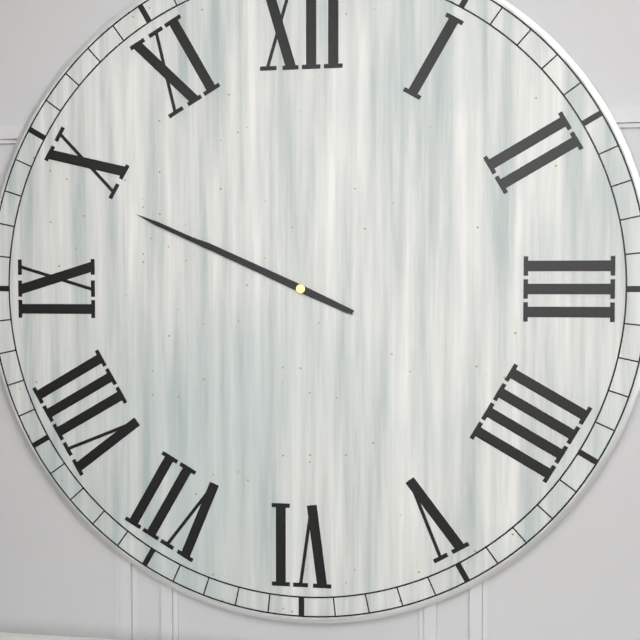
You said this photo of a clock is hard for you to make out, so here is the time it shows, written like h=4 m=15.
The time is h=9 m=49
